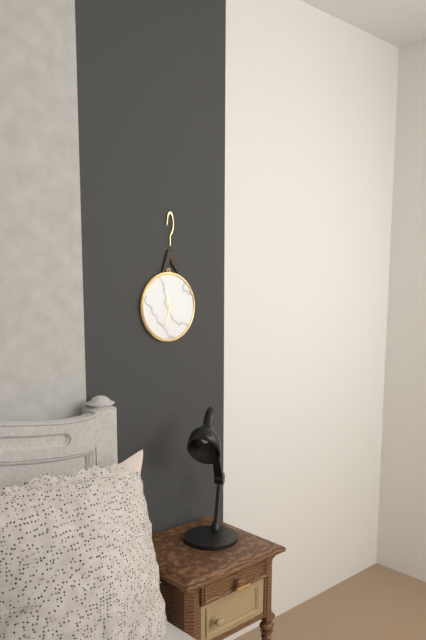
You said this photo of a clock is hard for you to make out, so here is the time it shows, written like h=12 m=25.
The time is h=11 m=33
